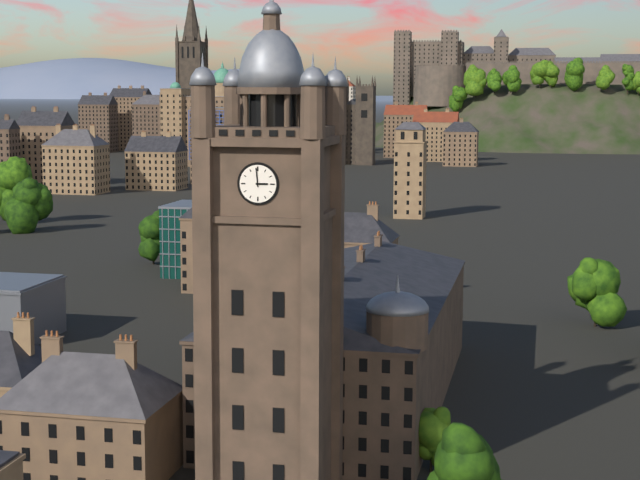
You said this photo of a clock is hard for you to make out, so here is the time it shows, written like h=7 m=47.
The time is h=2 m=59
